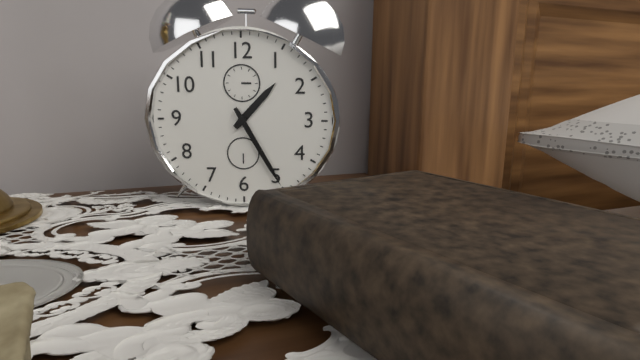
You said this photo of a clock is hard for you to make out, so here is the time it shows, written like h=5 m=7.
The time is h=1 m=25
